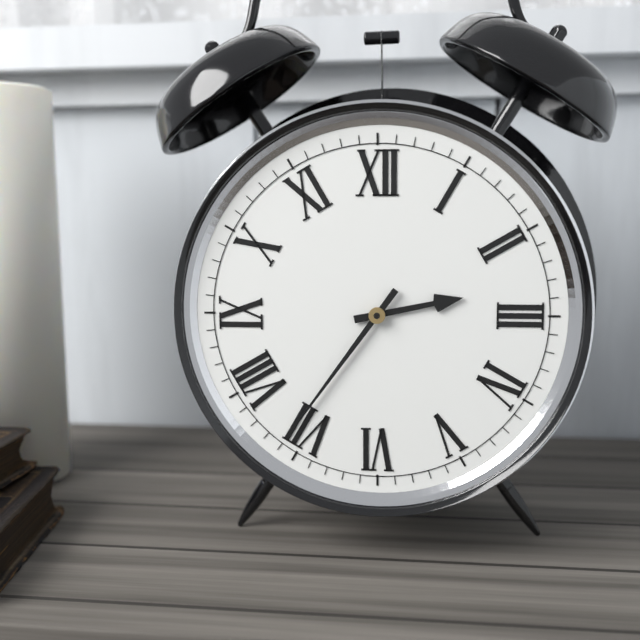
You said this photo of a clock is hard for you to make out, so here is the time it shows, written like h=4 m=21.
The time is h=2 m=36
